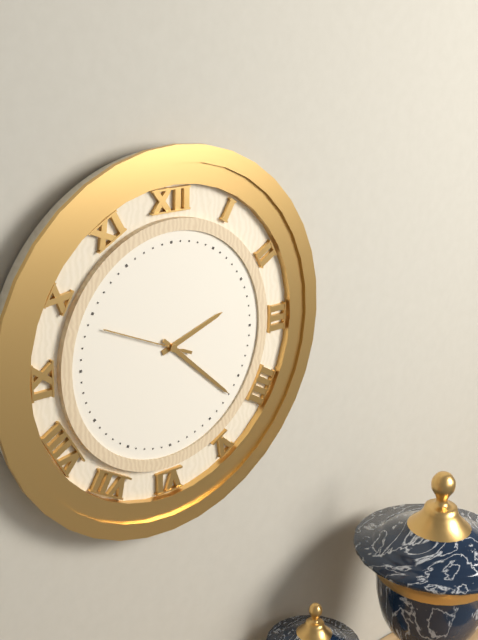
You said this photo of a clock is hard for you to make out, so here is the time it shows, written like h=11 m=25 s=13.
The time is h=2 m=22 s=49
